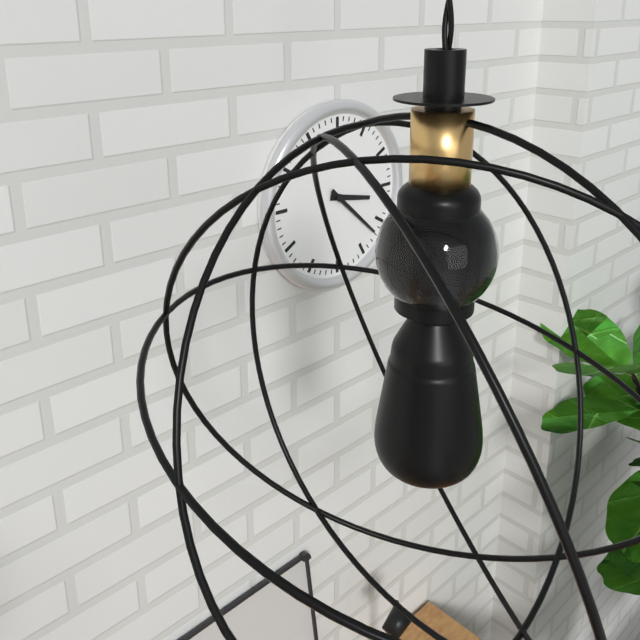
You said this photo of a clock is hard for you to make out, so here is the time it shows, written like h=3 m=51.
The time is h=3 m=22
